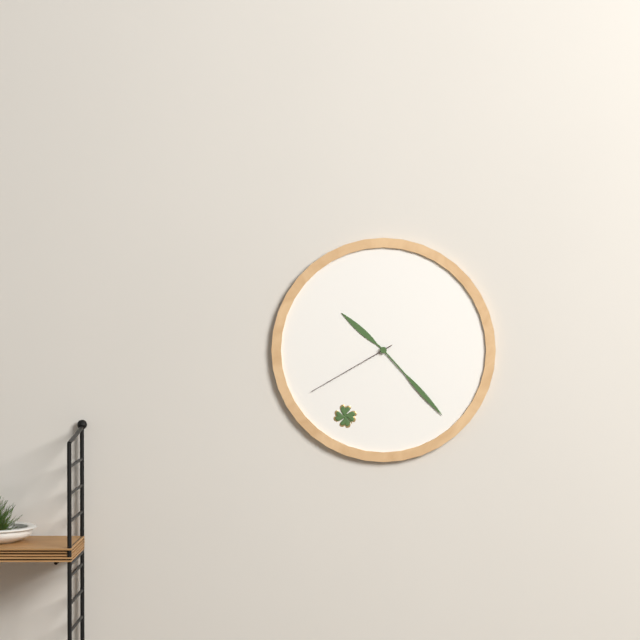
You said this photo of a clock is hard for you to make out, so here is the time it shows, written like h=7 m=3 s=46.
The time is h=10 m=23 s=40
